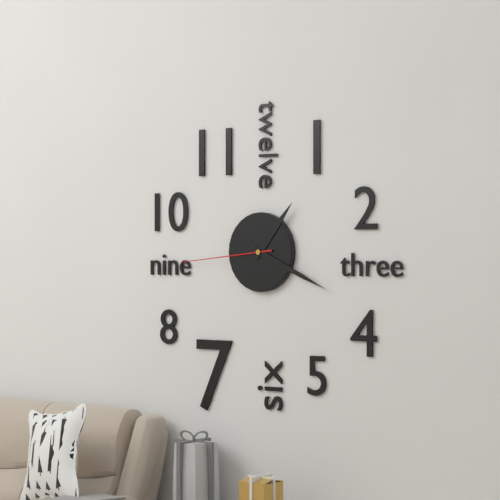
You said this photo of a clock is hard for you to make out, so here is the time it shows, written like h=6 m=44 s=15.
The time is h=1 m=19 s=44
